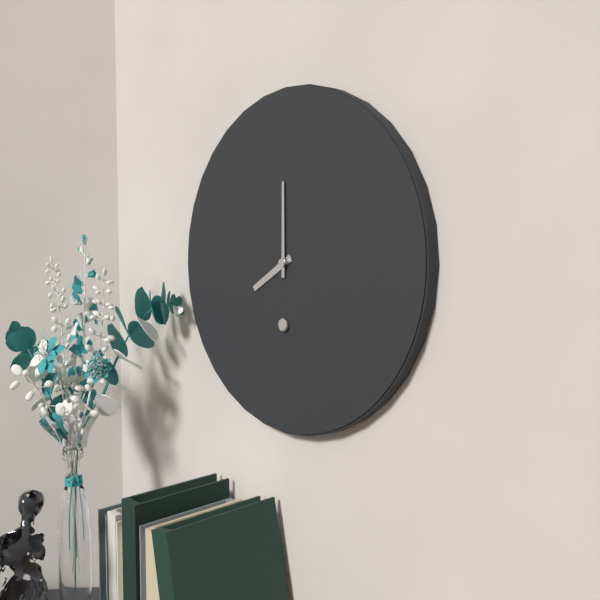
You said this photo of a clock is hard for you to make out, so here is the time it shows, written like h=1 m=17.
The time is h=8 m=0
